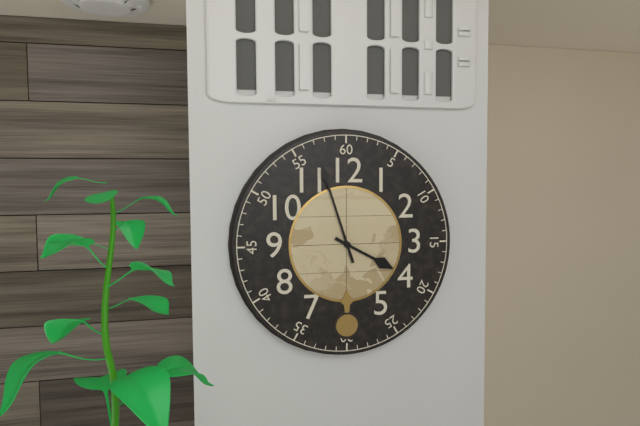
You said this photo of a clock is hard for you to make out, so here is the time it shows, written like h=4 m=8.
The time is h=3 m=57
